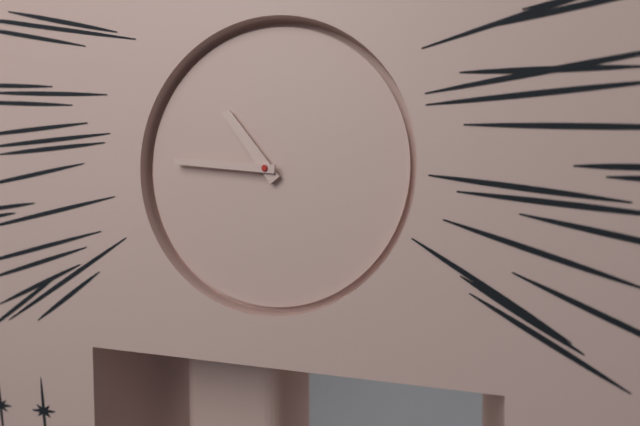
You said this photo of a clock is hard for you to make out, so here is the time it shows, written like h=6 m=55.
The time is h=10 m=46
